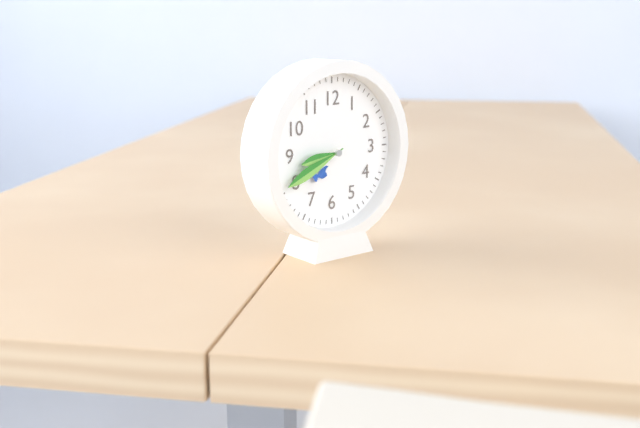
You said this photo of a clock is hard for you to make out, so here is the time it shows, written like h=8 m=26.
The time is h=8 m=41
